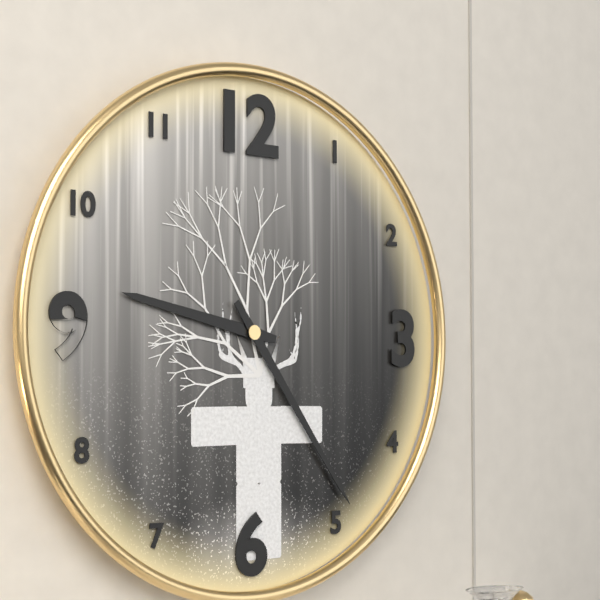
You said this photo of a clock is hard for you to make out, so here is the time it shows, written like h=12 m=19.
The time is h=9 m=24
